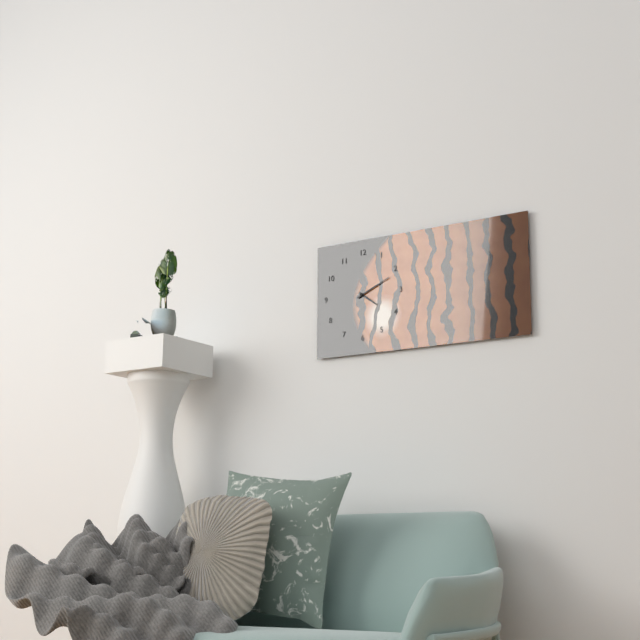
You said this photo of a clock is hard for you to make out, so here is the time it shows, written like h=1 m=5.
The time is h=4 m=11
